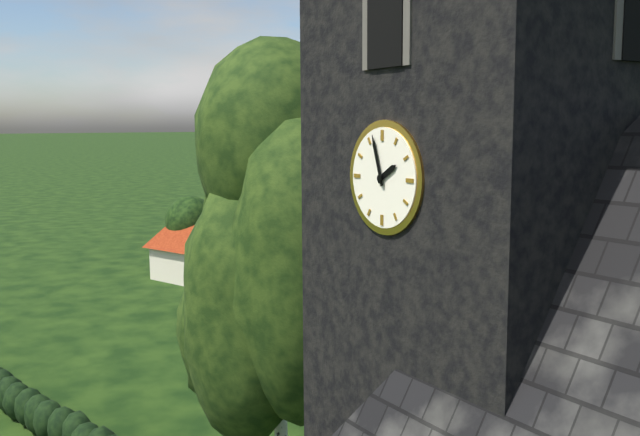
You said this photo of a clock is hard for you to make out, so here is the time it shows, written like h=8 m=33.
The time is h=1 m=57
